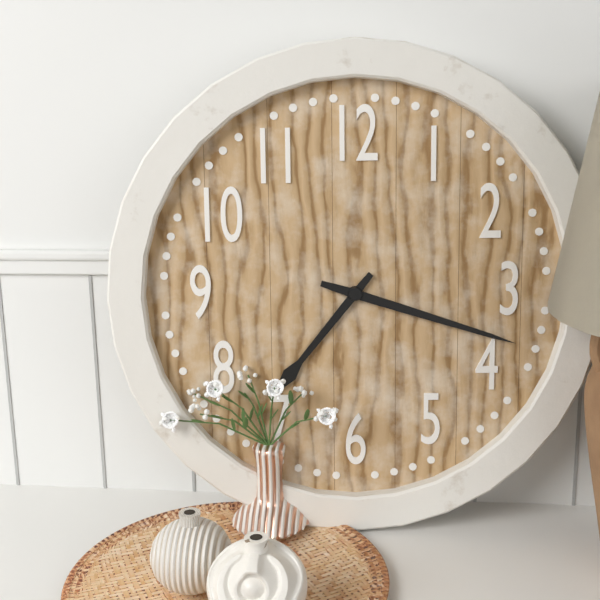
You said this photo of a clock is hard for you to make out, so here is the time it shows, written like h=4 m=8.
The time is h=7 m=18
